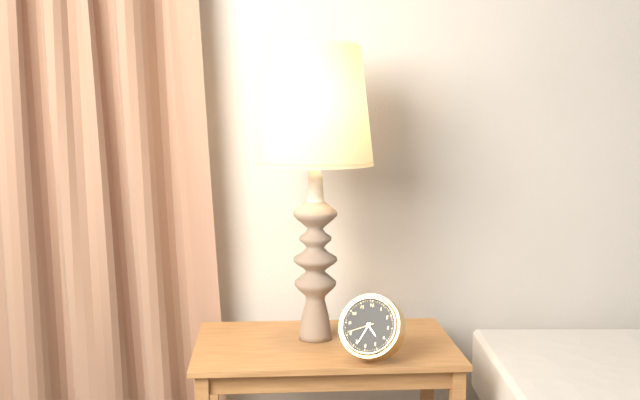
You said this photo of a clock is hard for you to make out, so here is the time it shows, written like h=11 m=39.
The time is h=4 m=34
